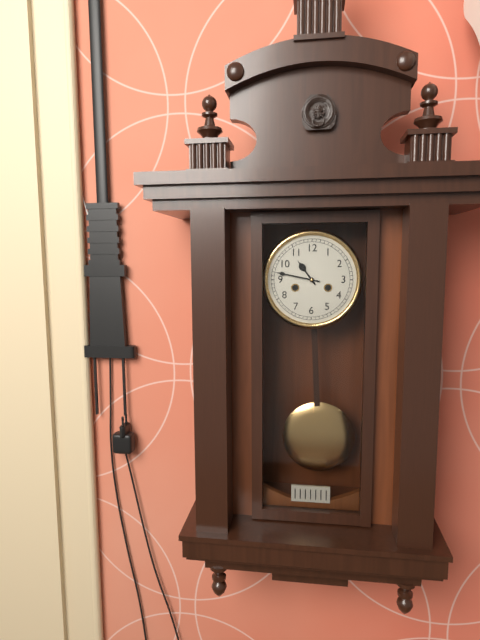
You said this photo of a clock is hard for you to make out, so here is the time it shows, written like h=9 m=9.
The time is h=10 m=47
